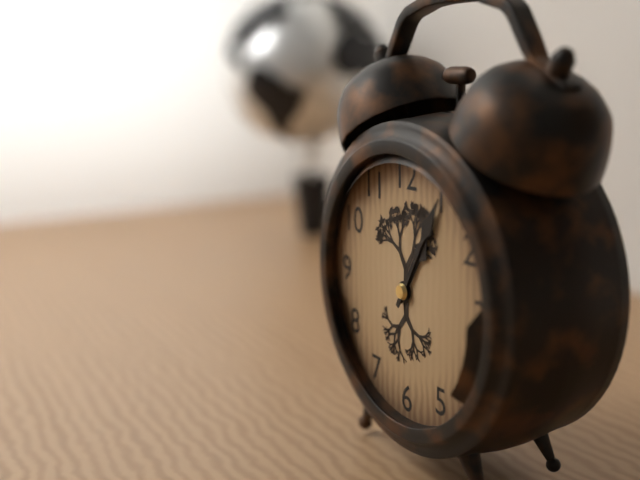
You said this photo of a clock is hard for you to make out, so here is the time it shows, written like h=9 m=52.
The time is h=1 m=5
